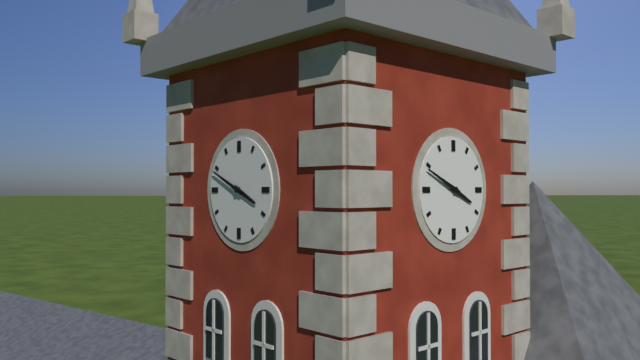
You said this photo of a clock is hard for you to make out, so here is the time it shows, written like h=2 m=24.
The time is h=3 m=49
